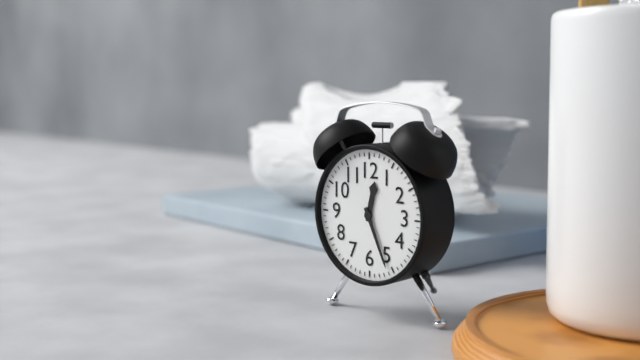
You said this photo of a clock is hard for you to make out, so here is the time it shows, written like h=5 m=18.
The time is h=12 m=26
